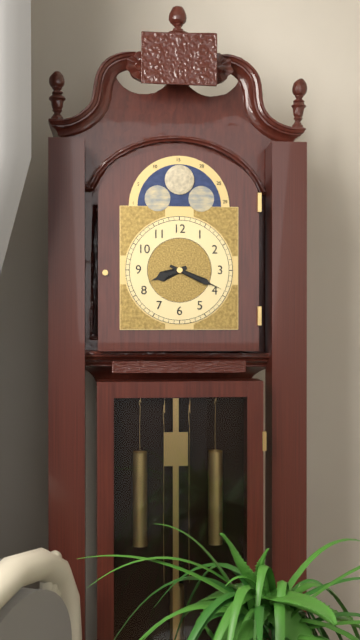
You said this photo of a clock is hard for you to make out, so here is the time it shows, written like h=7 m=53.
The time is h=8 m=19
